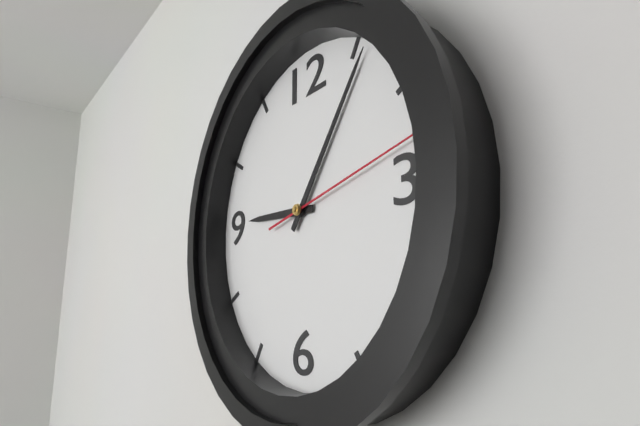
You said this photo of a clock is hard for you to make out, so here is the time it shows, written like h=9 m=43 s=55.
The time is h=9 m=6 s=13
